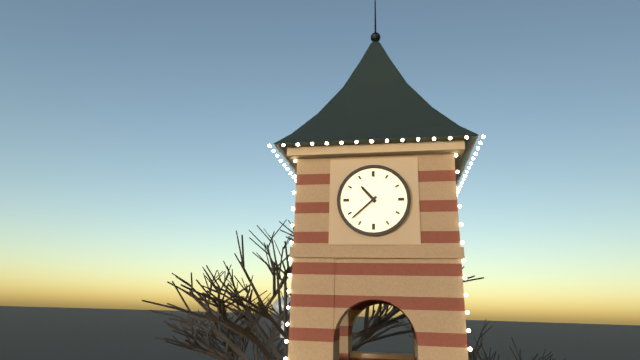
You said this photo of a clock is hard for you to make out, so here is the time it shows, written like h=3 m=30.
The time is h=10 m=38
